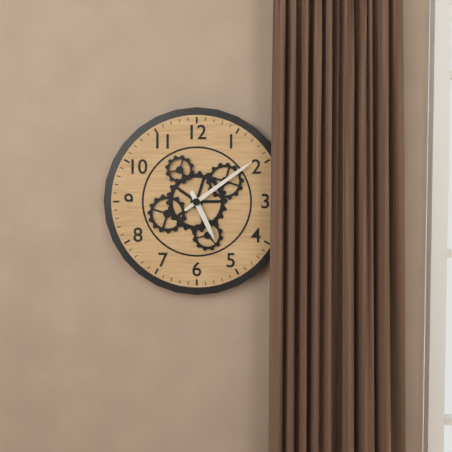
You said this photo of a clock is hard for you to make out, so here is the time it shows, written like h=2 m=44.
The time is h=5 m=9
